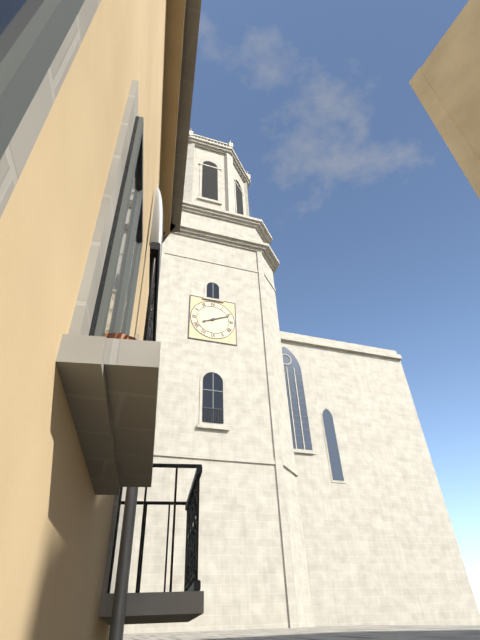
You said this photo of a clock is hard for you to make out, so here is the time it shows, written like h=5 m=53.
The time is h=8 m=11
